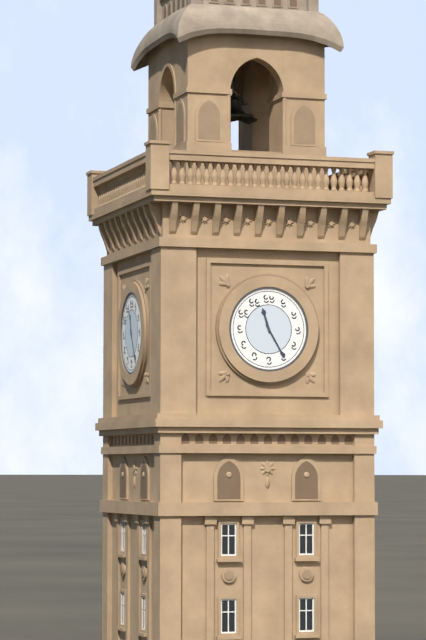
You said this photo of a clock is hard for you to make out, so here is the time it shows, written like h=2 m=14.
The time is h=11 m=25
